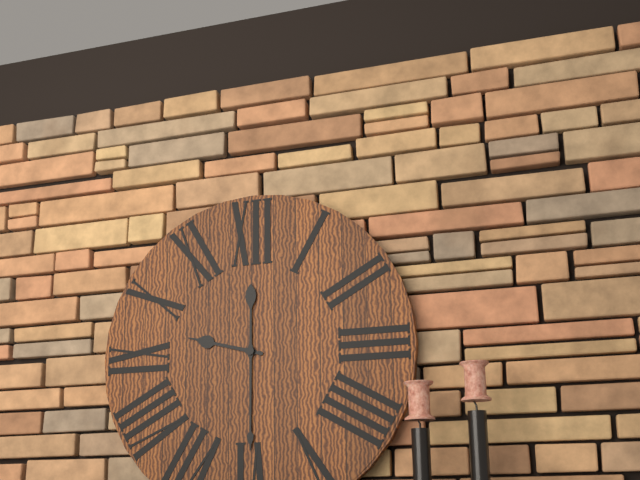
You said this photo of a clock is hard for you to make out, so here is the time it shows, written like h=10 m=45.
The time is h=9 m=30
